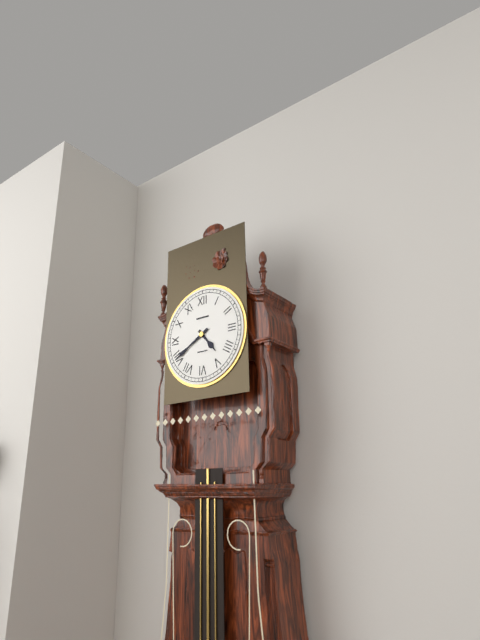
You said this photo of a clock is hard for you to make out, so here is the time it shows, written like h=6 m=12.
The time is h=4 m=40
